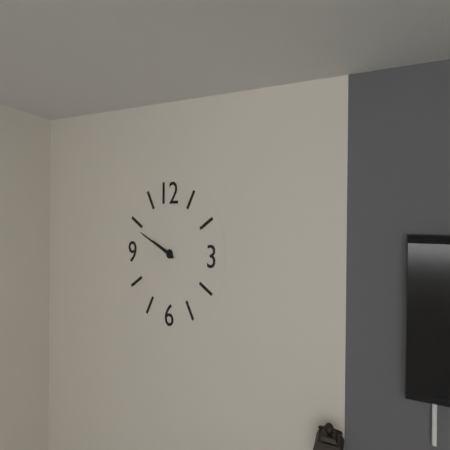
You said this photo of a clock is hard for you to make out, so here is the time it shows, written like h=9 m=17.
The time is h=9 m=49
